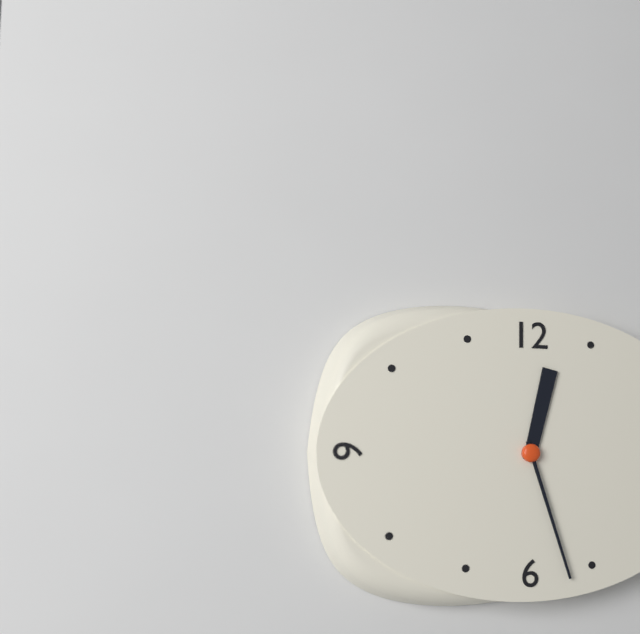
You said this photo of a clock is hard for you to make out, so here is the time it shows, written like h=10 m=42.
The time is h=12 m=27
